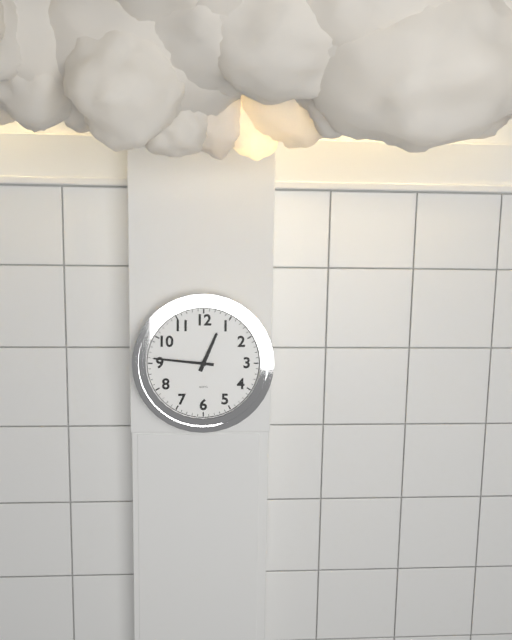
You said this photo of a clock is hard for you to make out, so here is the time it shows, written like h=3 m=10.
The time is h=12 m=46
